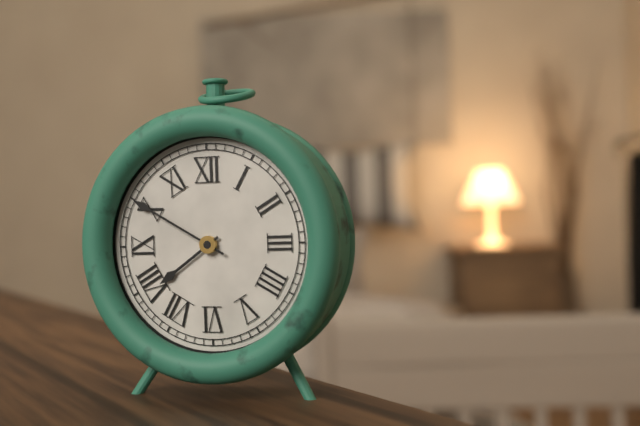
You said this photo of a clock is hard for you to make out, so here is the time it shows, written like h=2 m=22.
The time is h=7 m=50
